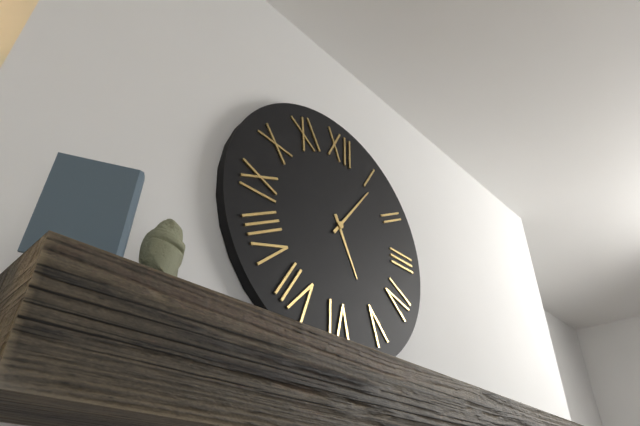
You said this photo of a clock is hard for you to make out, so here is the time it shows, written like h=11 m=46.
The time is h=5 m=6
